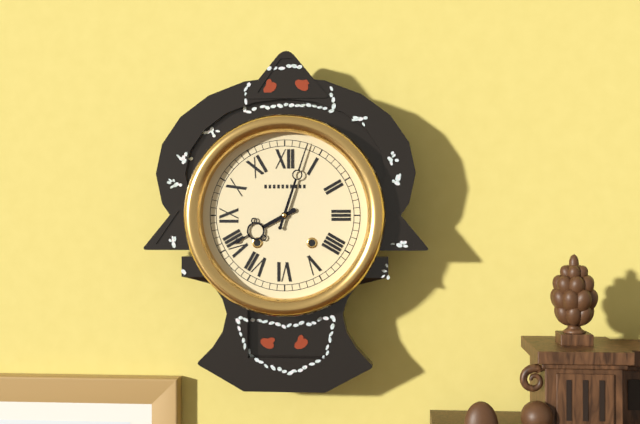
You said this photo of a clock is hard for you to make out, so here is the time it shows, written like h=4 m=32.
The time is h=8 m=3
